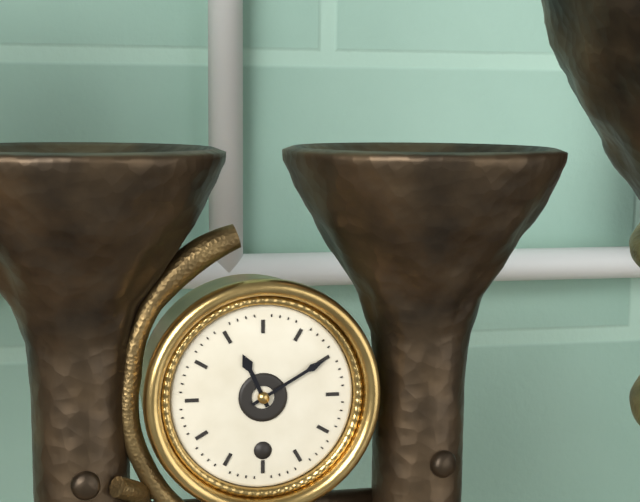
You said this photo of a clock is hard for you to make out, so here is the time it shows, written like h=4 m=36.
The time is h=11 m=10
